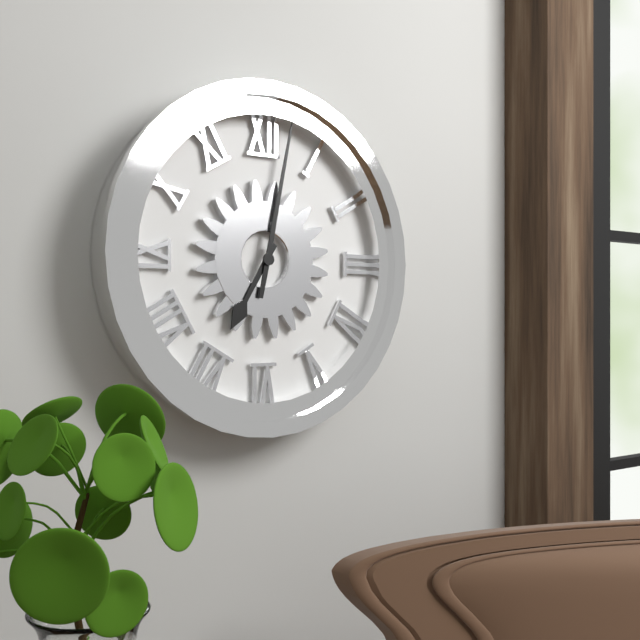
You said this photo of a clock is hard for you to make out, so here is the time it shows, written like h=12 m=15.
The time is h=7 m=2
